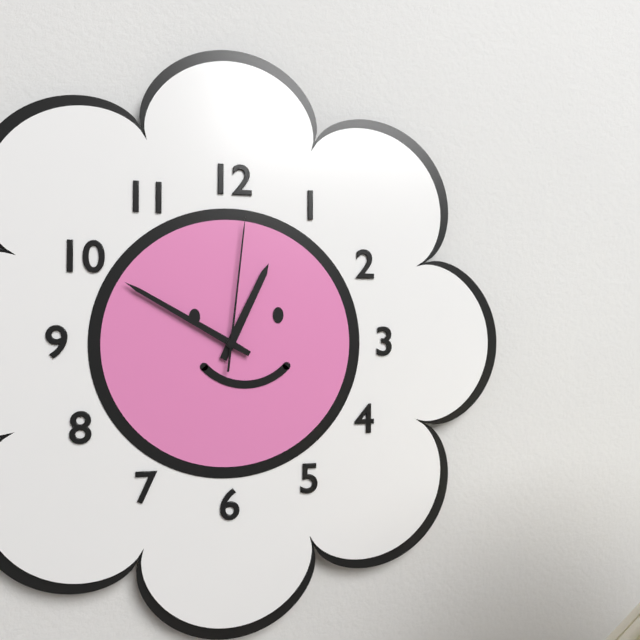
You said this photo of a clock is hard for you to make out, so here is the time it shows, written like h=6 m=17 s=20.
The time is h=12 m=50 s=1
